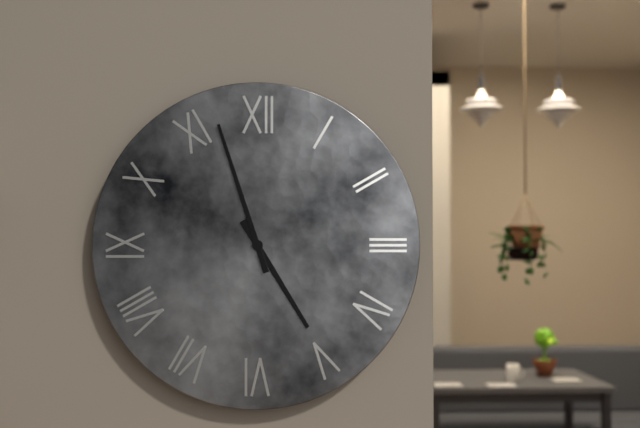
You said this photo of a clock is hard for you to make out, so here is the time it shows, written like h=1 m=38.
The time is h=4 m=57
